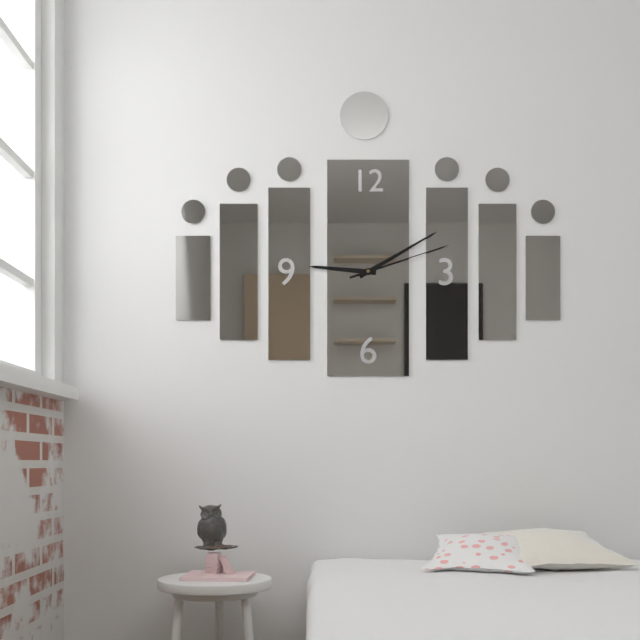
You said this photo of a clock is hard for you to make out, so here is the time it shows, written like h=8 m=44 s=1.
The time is h=9 m=10 s=12
